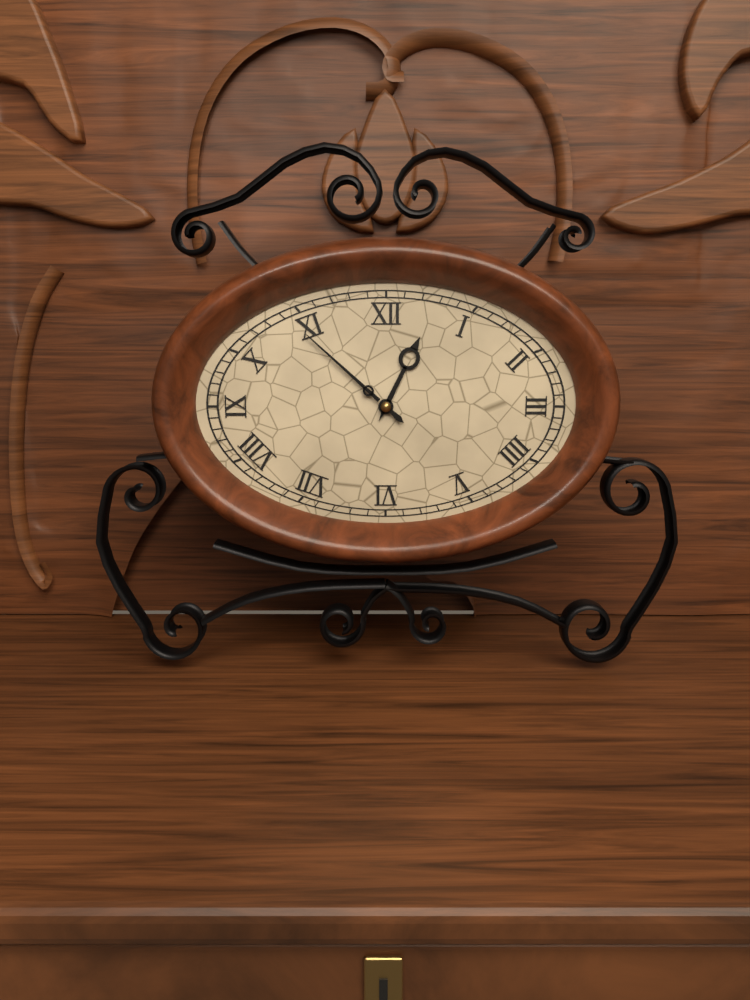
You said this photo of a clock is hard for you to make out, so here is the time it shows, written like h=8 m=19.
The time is h=12 m=52
